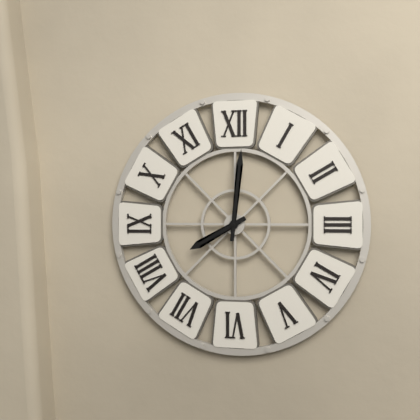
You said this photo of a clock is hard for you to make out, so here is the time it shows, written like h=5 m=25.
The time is h=8 m=1
